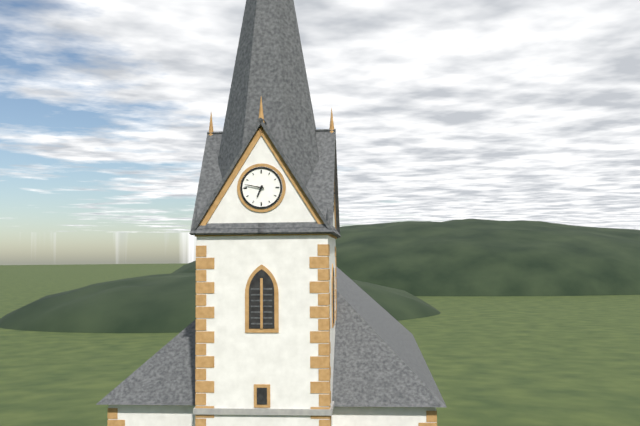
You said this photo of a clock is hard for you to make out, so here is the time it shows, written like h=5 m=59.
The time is h=6 m=47
